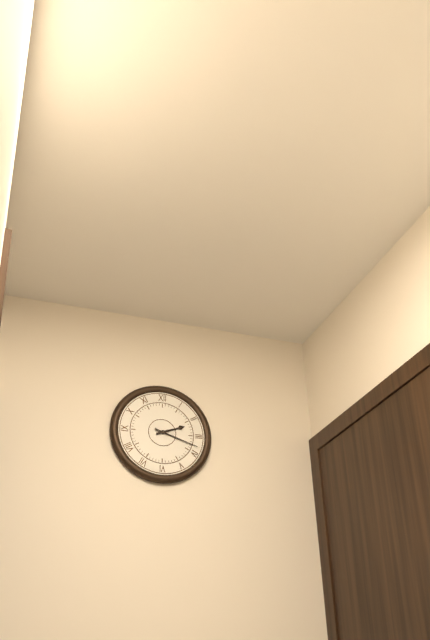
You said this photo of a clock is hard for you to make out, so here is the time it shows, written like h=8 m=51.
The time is h=2 m=18
